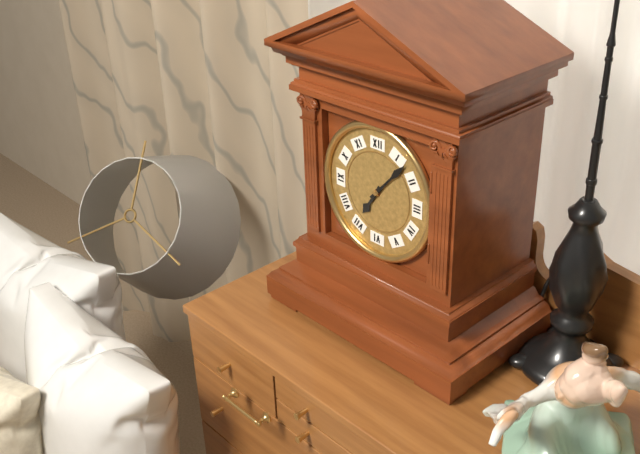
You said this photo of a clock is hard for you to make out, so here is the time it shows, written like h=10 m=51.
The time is h=7 m=7
